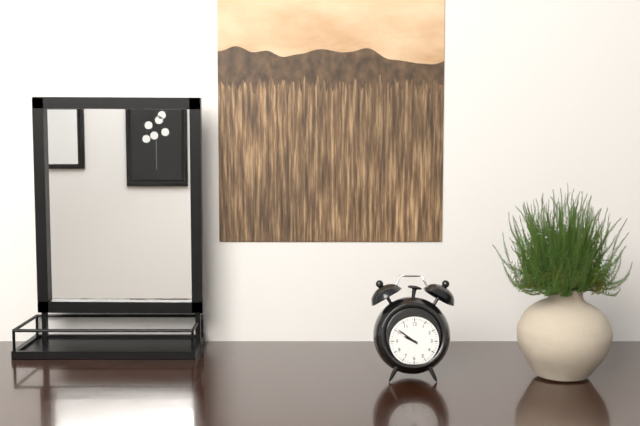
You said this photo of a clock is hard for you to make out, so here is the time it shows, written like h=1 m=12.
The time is h=9 m=51
